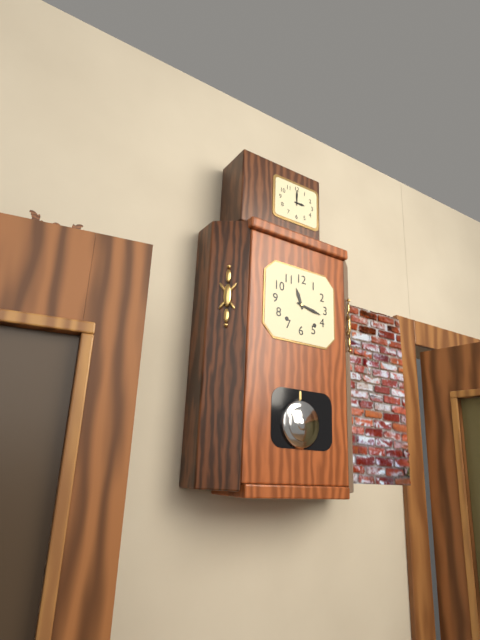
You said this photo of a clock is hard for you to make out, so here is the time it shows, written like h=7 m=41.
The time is h=11 m=17
